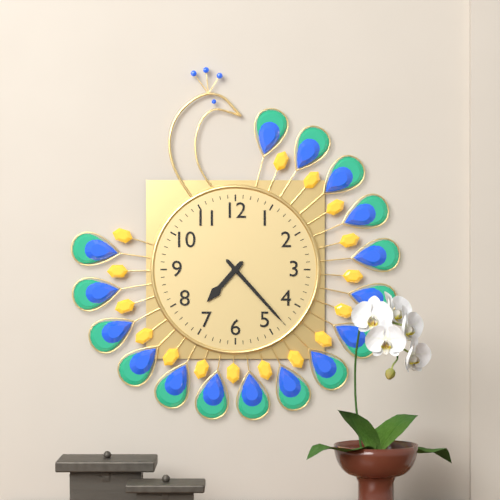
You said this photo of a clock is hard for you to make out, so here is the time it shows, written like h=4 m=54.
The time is h=7 m=23
